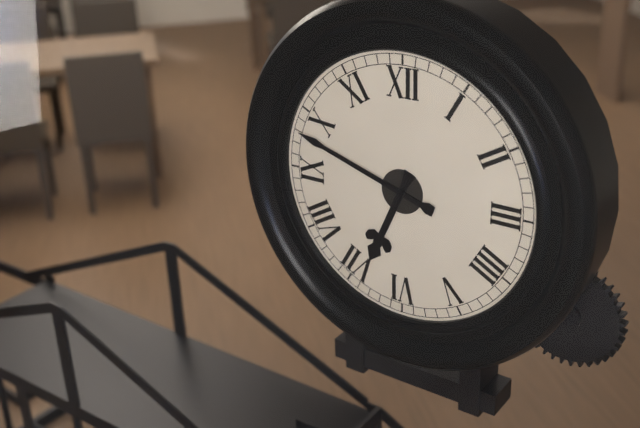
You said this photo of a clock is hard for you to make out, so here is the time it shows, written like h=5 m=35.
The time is h=6 m=48
